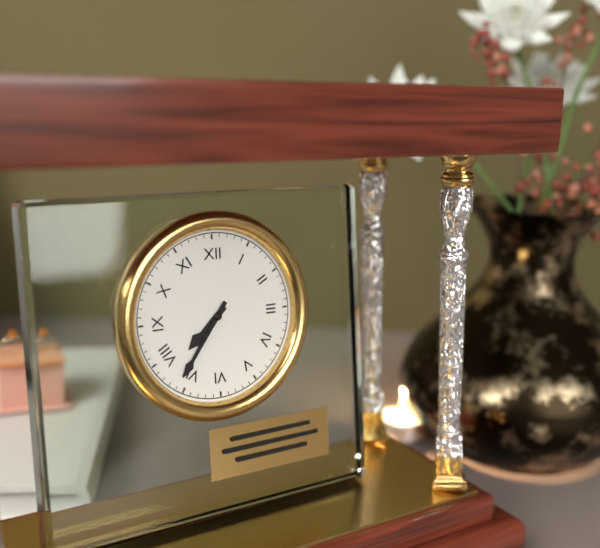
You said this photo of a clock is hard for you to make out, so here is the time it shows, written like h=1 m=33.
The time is h=7 m=36
